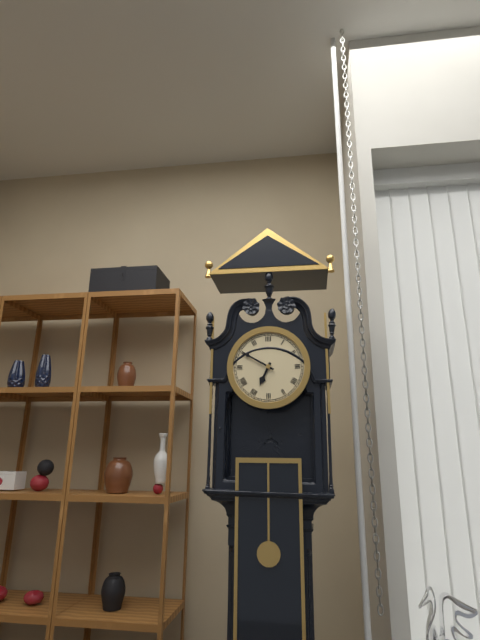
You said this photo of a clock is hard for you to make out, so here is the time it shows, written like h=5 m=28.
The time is h=6 m=50
